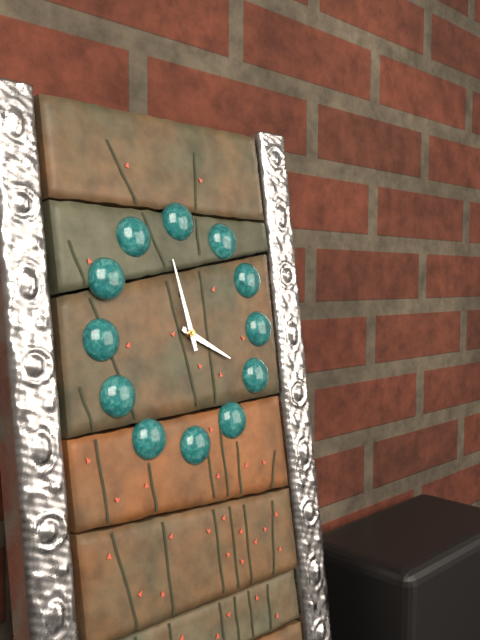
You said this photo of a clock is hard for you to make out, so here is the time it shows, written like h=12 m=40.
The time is h=3 m=58
